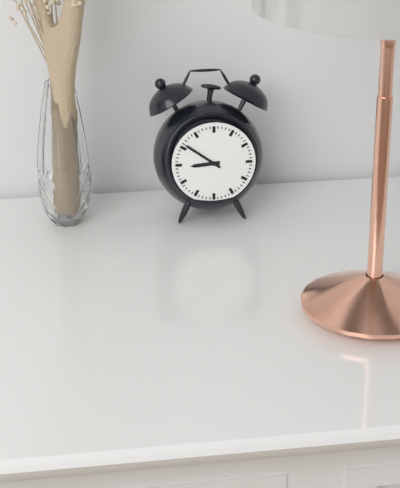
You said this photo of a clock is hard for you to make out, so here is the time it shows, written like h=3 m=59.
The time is h=8 m=51
